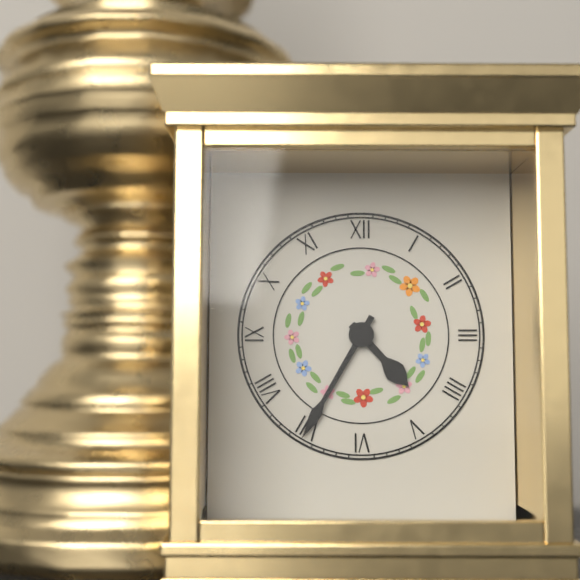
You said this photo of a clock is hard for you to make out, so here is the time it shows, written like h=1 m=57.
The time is h=4 m=35
